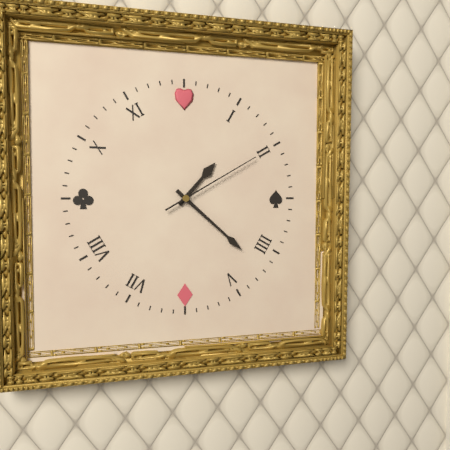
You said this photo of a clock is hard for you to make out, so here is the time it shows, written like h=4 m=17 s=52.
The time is h=1 m=22 s=10
